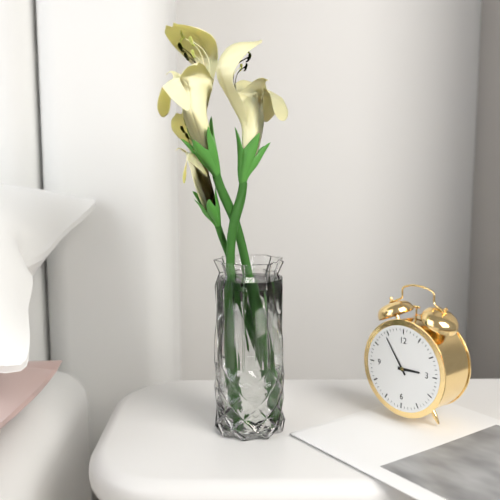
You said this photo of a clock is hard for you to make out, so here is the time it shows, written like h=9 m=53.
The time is h=2 m=54
